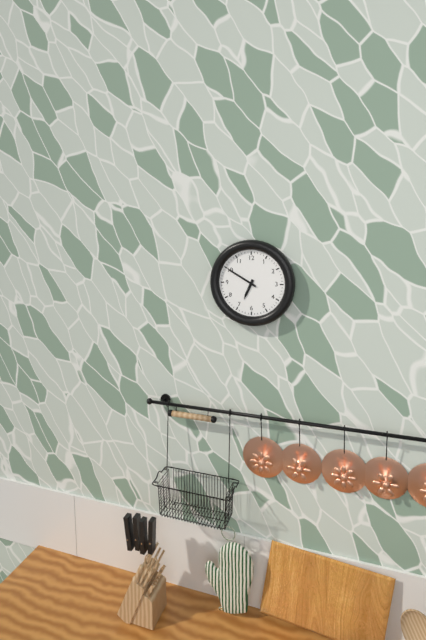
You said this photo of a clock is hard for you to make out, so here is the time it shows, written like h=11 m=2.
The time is h=6 m=50
